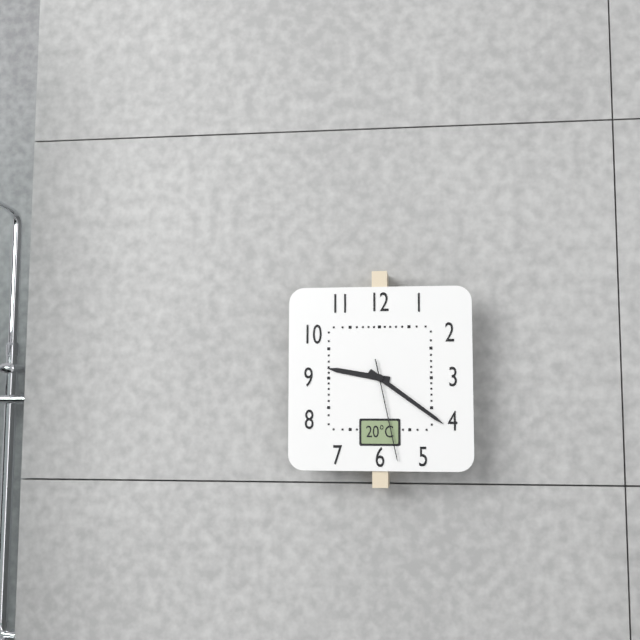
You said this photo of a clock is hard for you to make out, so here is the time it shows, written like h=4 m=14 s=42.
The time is h=9 m=21 s=28
